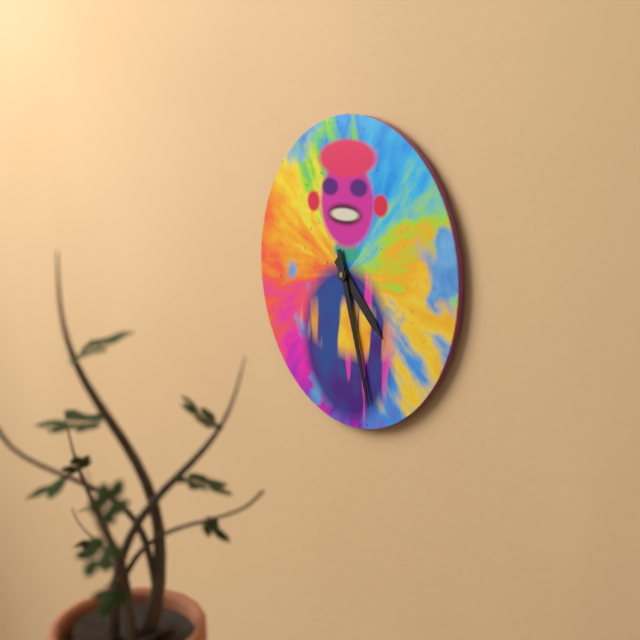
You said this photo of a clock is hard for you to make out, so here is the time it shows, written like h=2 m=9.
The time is h=4 m=27
